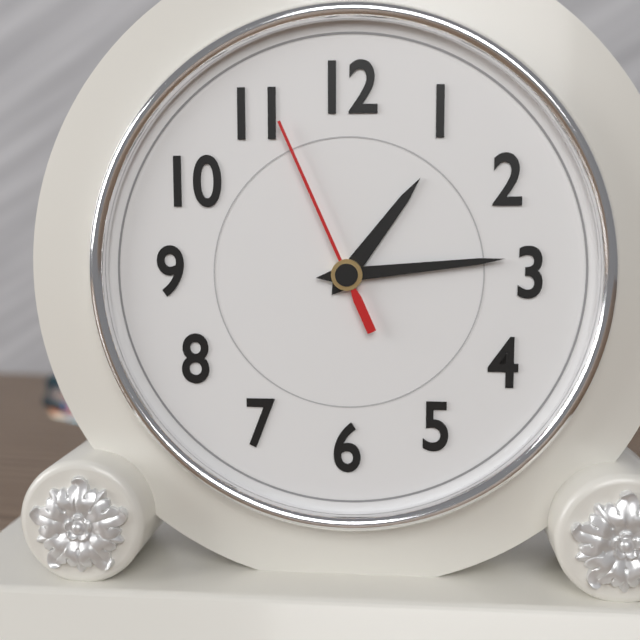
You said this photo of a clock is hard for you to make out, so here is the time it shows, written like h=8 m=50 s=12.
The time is h=1 m=14 s=56
